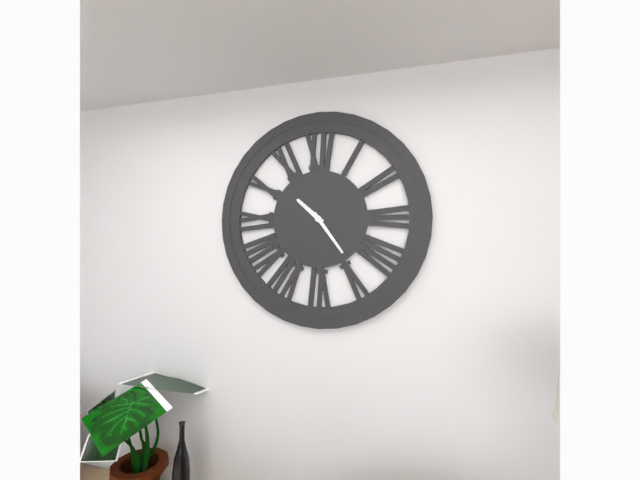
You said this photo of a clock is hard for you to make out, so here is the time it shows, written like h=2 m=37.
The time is h=10 m=24
